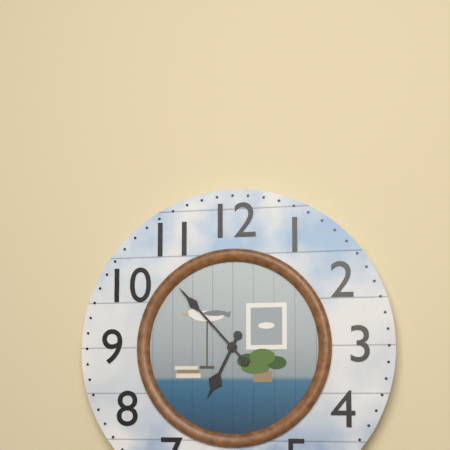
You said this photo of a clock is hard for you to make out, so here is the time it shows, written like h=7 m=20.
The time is h=6 m=53
